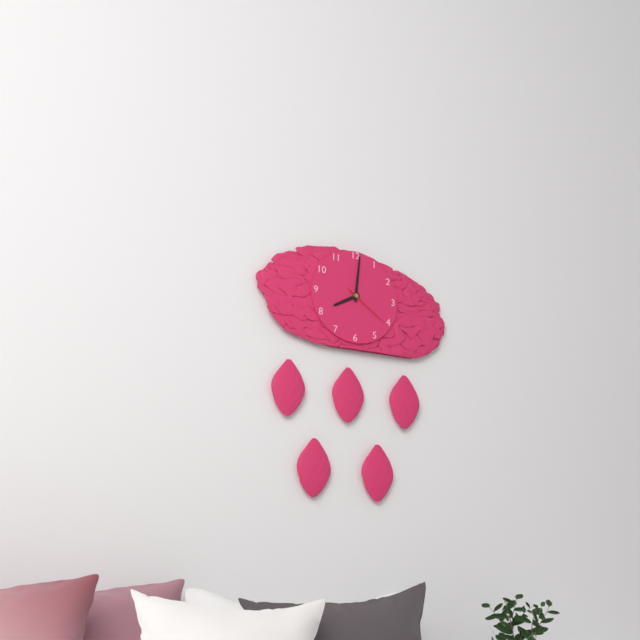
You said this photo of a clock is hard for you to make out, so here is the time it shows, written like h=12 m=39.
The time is h=8 m=1
